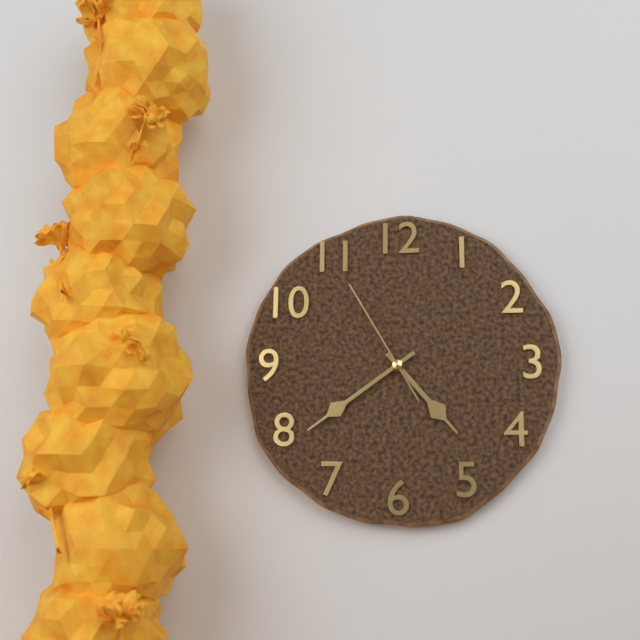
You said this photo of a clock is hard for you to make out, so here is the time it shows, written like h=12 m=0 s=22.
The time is h=4 m=39 s=55
